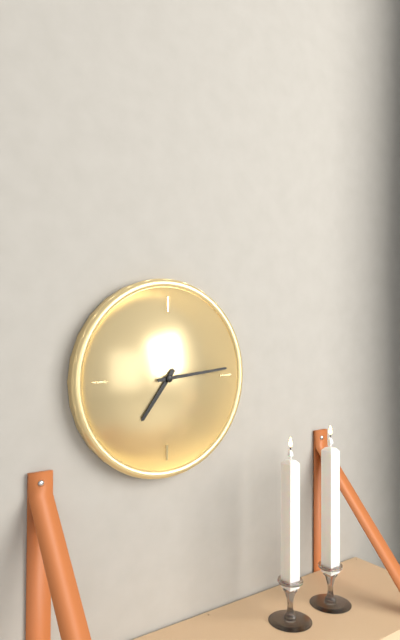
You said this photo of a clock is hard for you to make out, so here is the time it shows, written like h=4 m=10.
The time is h=7 m=14
